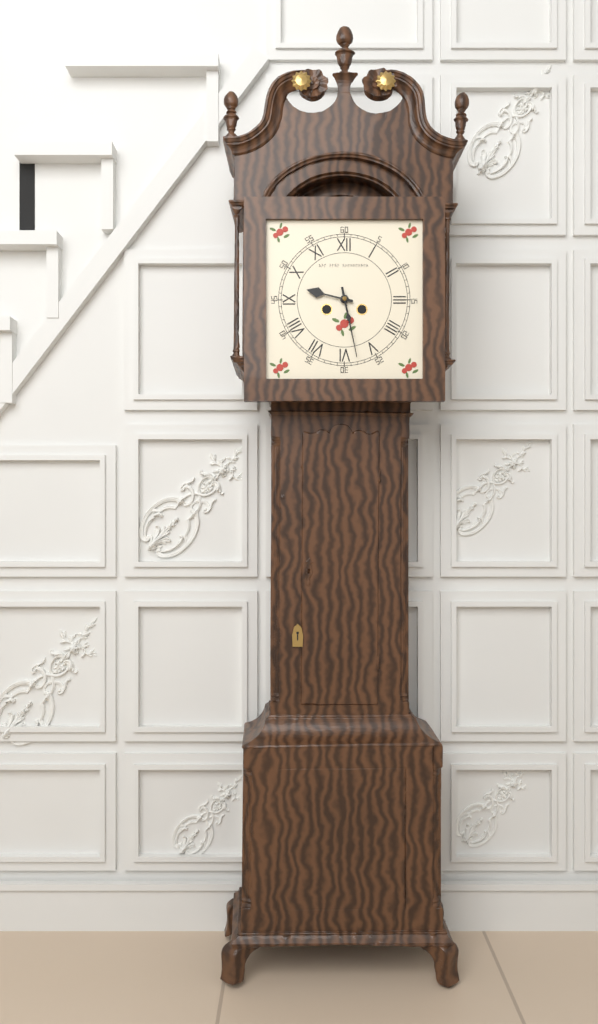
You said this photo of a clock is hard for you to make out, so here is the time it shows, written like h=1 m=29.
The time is h=9 m=28
